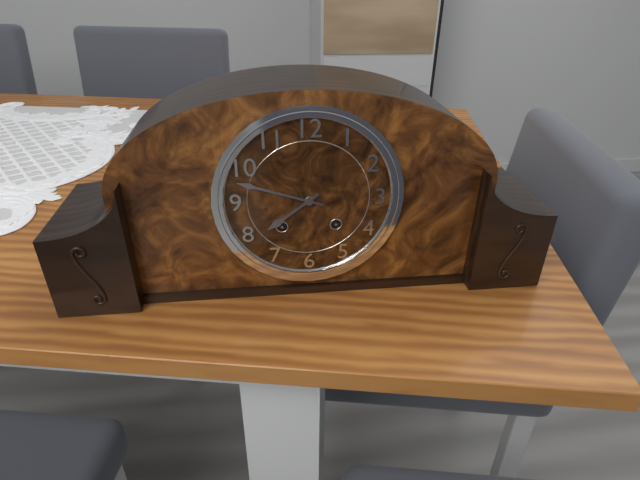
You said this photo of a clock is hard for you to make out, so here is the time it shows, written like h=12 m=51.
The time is h=7 m=48
